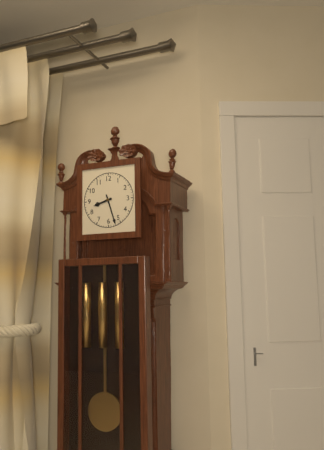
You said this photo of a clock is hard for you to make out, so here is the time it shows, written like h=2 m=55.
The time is h=8 m=27
